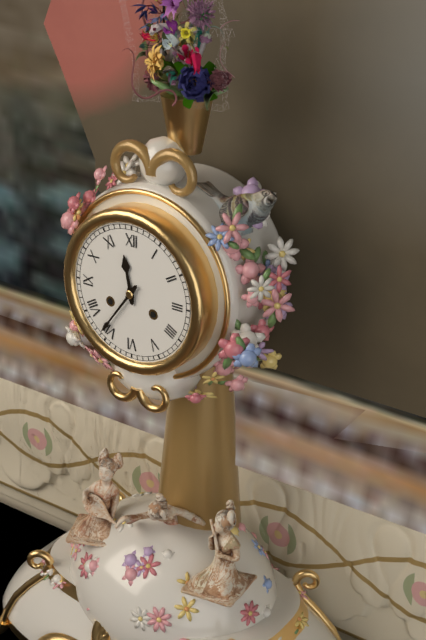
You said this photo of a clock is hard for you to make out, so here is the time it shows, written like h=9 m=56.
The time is h=11 m=36
